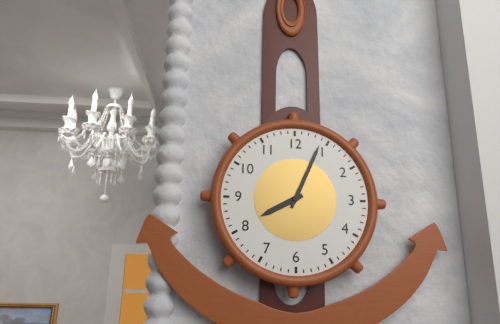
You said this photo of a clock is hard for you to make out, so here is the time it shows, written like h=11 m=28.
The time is h=8 m=4
